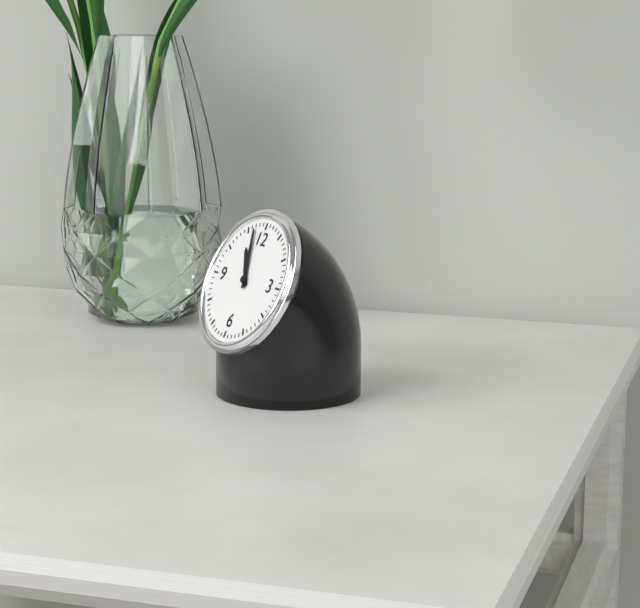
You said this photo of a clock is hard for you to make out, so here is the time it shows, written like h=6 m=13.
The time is h=10 m=57
